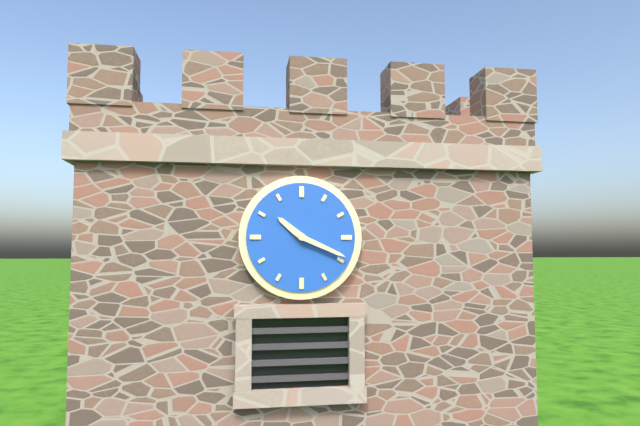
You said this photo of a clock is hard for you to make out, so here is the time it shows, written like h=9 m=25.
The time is h=10 m=19
